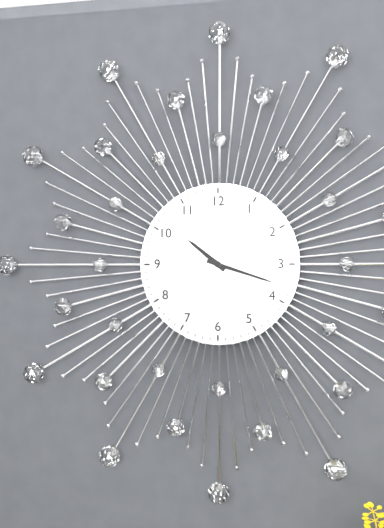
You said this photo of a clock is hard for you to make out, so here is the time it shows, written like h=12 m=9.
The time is h=10 m=18
